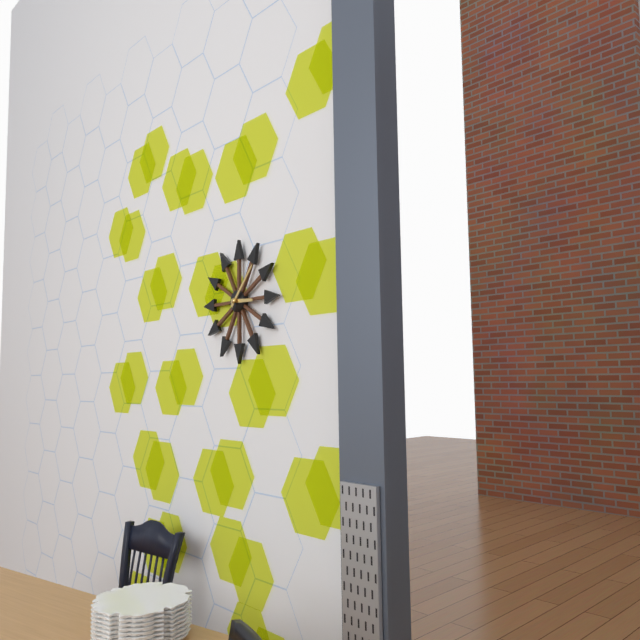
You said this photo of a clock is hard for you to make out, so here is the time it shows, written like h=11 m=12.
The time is h=3 m=7
